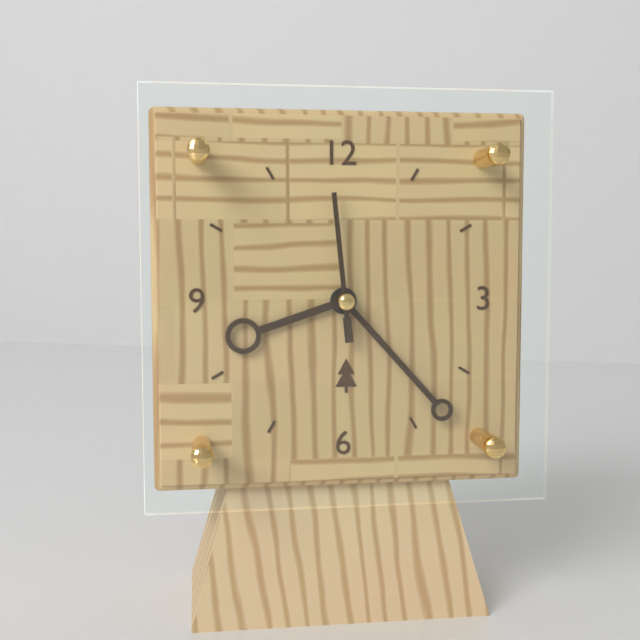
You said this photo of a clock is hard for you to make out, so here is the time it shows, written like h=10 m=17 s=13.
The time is h=8 m=23 s=59
